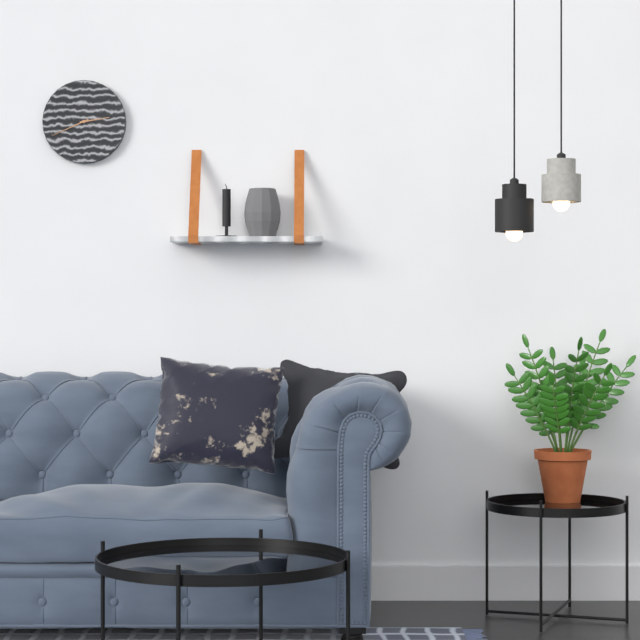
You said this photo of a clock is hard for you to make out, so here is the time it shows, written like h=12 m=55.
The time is h=2 m=41
